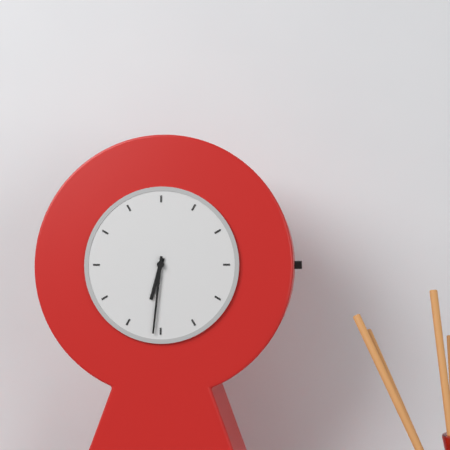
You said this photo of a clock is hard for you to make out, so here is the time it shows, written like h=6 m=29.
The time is h=6 m=31
